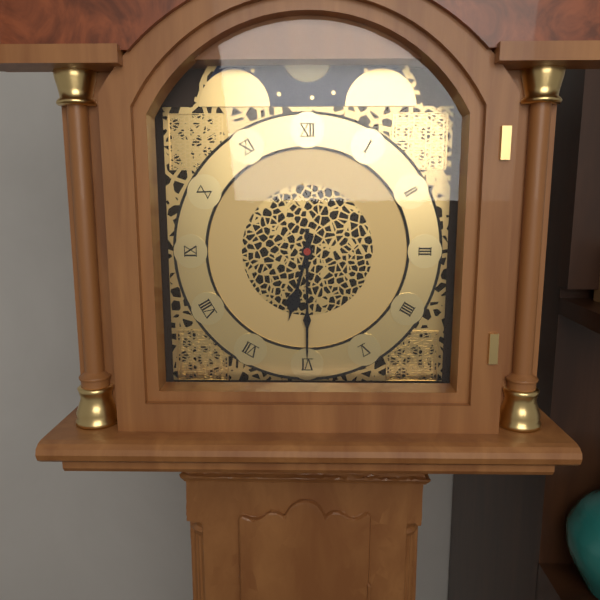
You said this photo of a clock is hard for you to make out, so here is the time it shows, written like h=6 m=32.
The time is h=6 m=30
